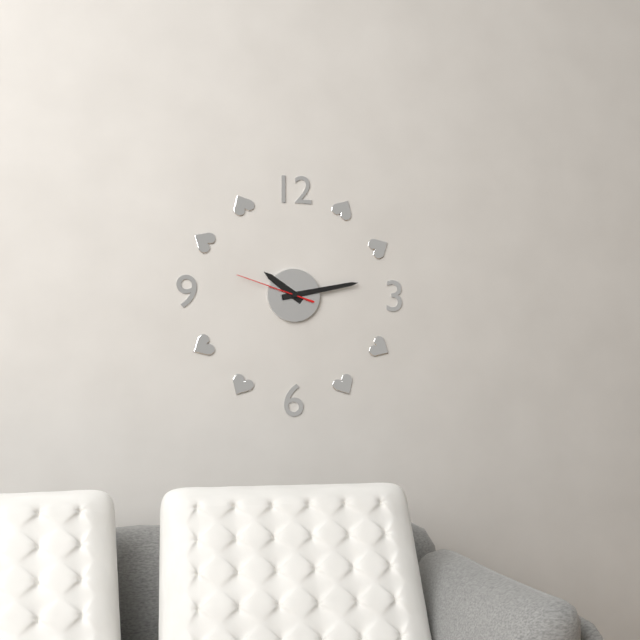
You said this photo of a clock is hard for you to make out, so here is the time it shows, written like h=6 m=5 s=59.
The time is h=10 m=13 s=48
